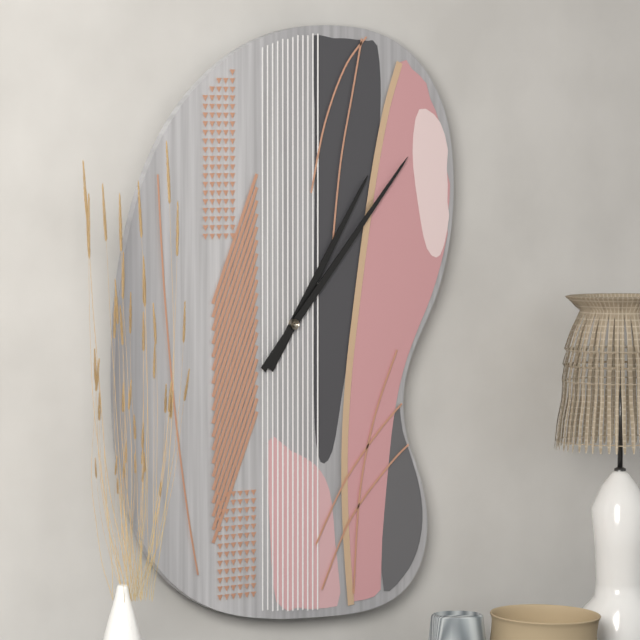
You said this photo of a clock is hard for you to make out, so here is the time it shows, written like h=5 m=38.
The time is h=1 m=7
